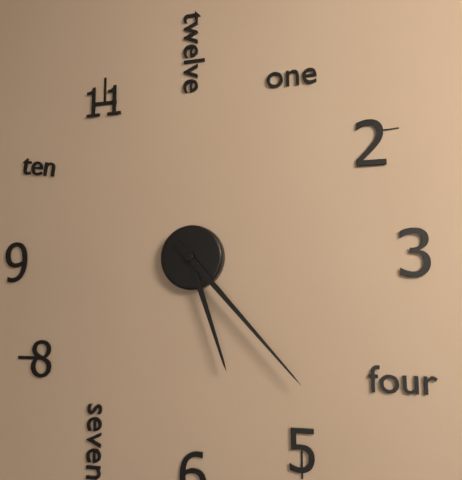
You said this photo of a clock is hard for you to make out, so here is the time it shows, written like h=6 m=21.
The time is h=5 m=23
